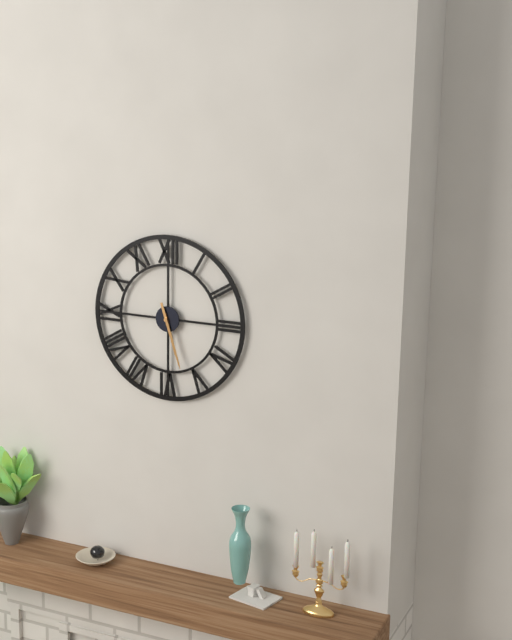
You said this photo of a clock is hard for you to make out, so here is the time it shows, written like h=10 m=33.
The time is h=5 m=27
